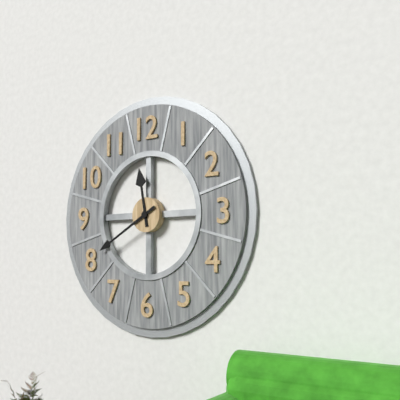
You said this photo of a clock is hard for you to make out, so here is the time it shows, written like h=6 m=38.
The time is h=11 m=40
